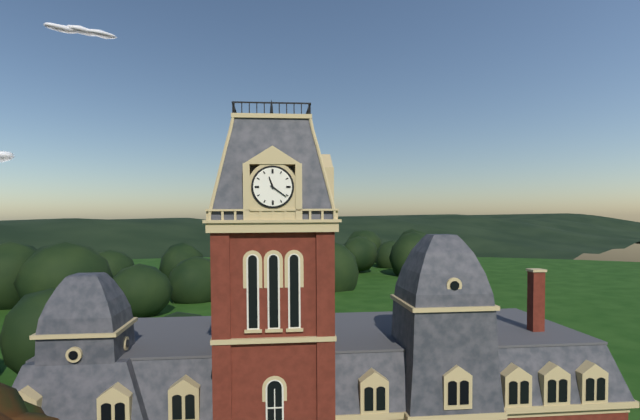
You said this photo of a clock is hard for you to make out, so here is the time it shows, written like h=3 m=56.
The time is h=11 m=21
